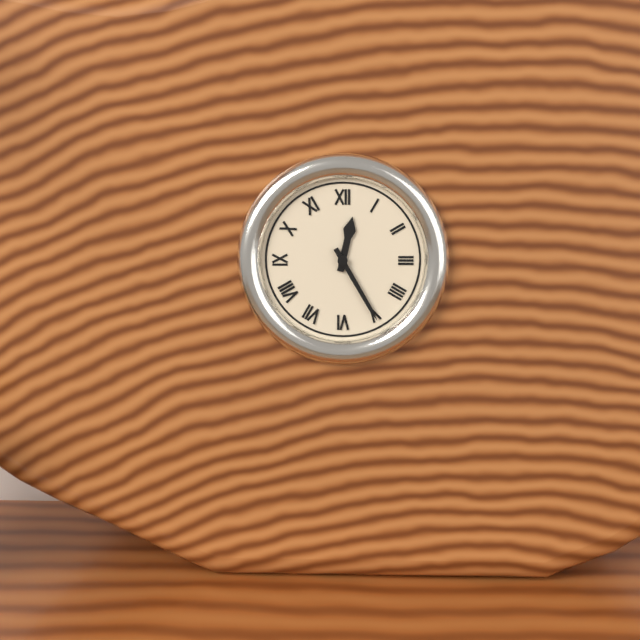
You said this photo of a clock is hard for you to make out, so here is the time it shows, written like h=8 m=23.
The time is h=12 m=25
